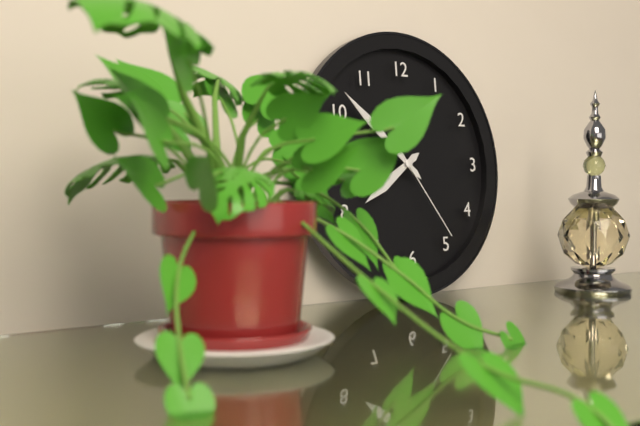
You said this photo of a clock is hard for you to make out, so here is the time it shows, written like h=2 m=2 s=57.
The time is h=7 m=52 s=24
